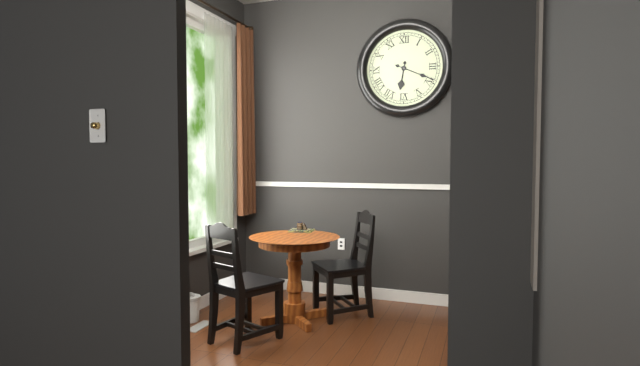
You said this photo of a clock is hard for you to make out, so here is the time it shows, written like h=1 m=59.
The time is h=6 m=19
